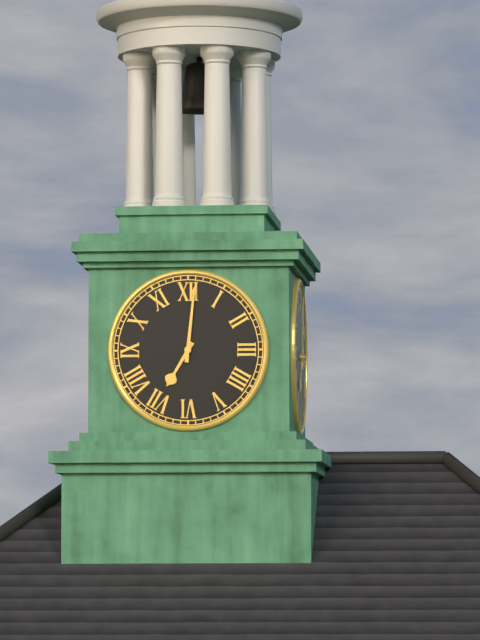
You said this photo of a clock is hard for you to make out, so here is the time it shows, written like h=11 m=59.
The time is h=7 m=1
